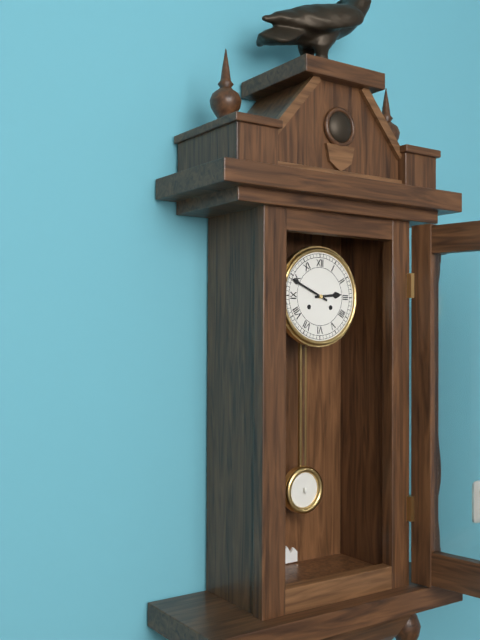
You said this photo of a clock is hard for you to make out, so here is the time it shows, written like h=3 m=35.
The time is h=2 m=49
